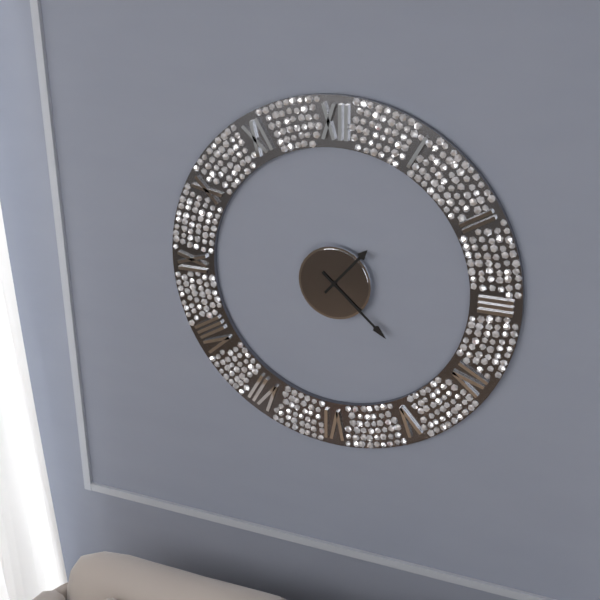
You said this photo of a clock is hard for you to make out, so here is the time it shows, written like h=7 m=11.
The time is h=1 m=22
